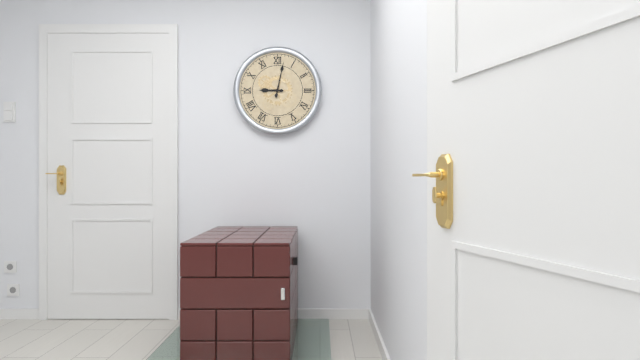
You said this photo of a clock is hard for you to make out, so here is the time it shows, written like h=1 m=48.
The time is h=9 m=2
